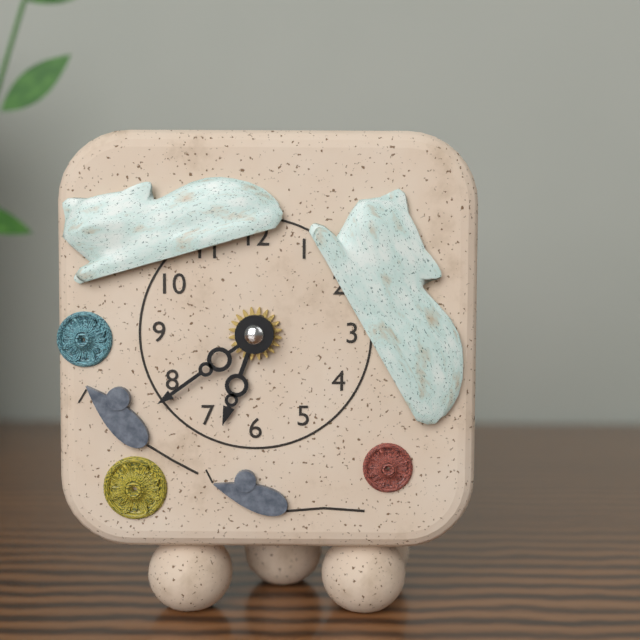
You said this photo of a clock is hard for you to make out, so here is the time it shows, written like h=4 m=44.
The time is h=6 m=39
